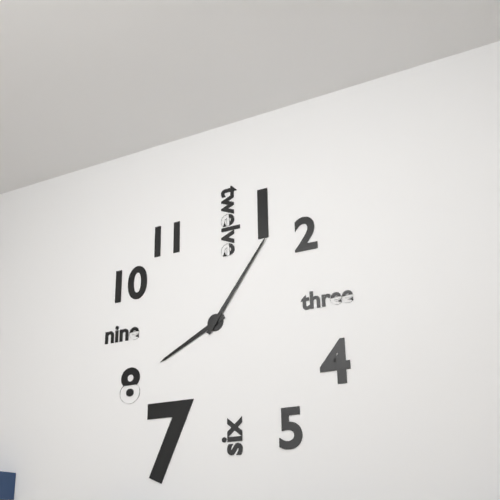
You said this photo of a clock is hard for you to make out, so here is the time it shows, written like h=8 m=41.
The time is h=8 m=6
